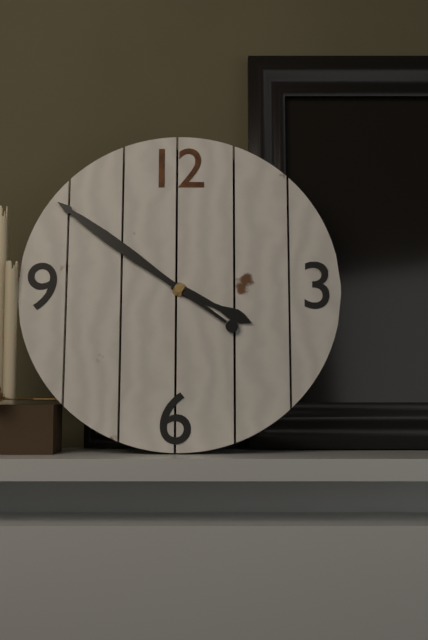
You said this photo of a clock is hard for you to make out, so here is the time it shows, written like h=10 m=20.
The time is h=3 m=51
